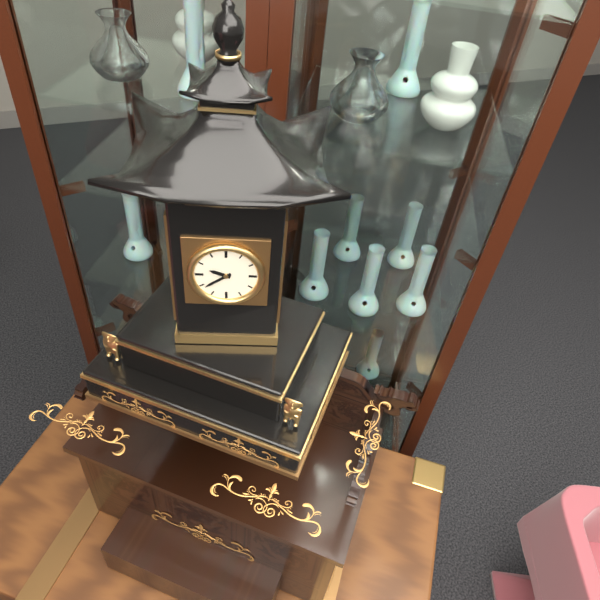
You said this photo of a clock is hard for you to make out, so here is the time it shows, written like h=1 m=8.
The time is h=9 m=39
